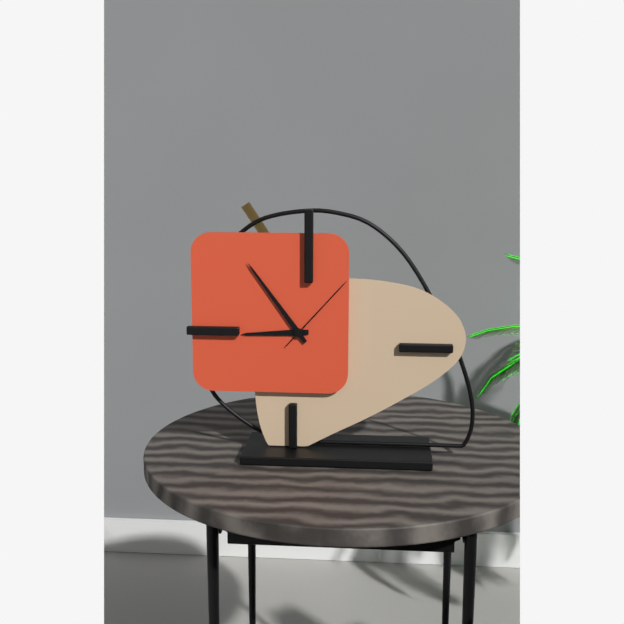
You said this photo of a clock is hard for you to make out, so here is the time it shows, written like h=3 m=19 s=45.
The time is h=8 m=54 s=7
